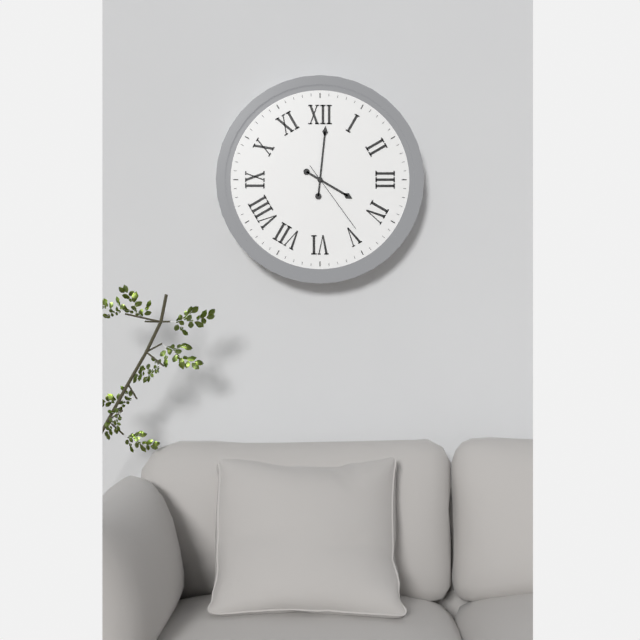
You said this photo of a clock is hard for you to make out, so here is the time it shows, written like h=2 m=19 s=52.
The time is h=4 m=1 s=24
